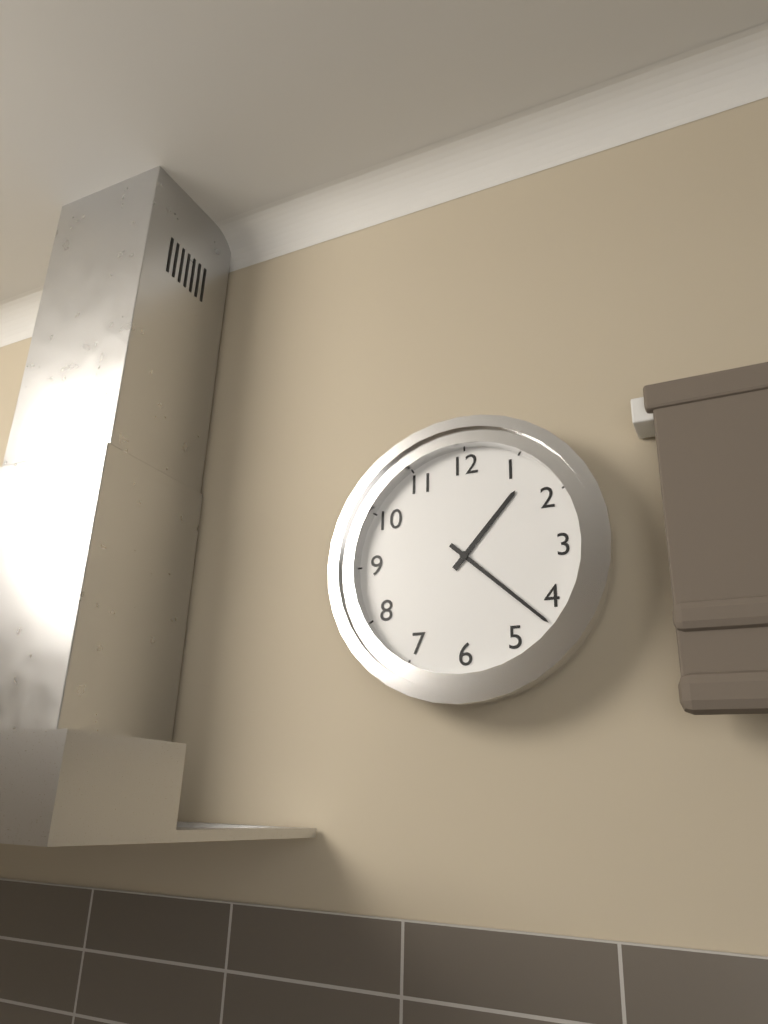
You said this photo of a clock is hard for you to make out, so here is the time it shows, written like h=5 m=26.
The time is h=1 m=22
